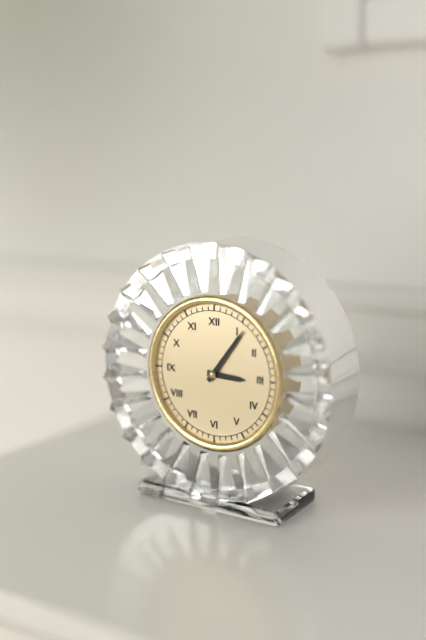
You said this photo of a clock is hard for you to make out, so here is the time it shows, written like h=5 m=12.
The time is h=3 m=6
